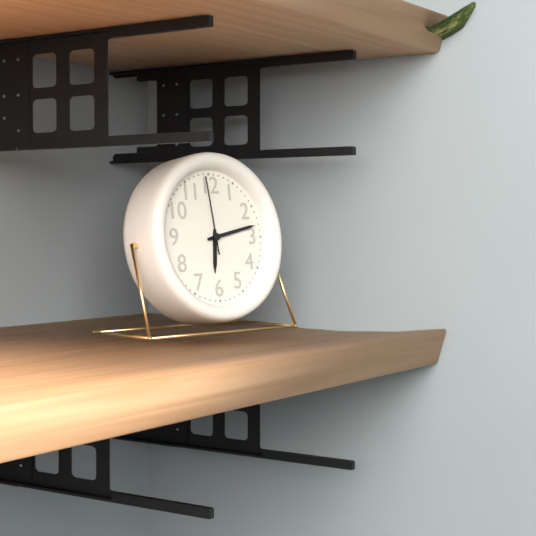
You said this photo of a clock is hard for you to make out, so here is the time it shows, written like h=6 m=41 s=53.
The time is h=6 m=13 s=59
